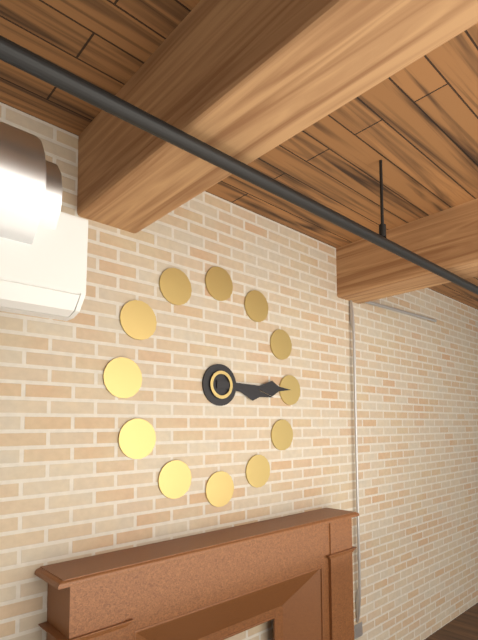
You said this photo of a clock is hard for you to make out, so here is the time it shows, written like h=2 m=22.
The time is h=3 m=15
